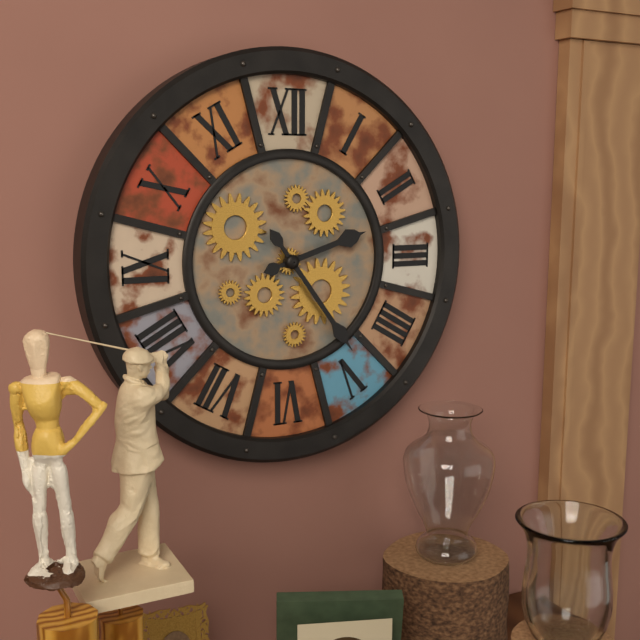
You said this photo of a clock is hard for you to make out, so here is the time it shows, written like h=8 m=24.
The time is h=2 m=24
